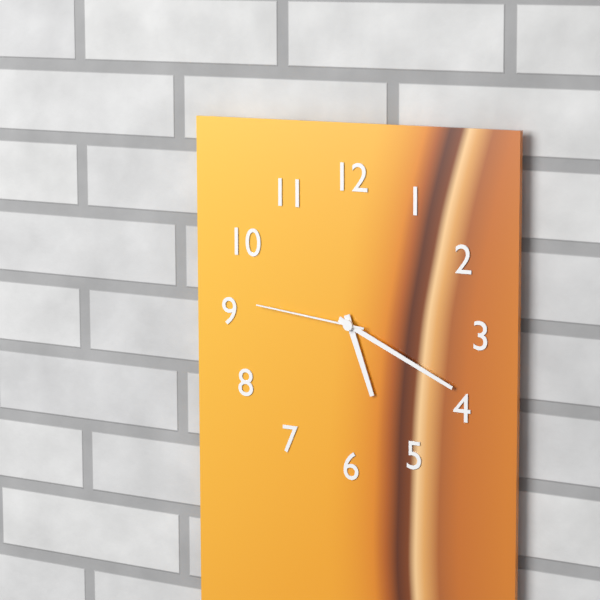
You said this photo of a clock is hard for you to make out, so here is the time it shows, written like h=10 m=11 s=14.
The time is h=5 m=19 s=46
